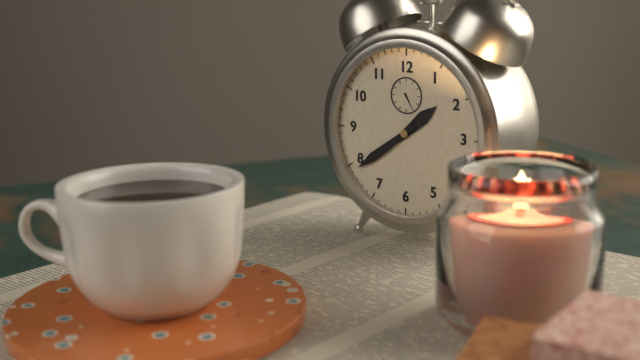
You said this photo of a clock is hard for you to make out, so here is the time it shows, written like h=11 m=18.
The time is h=1 m=39
